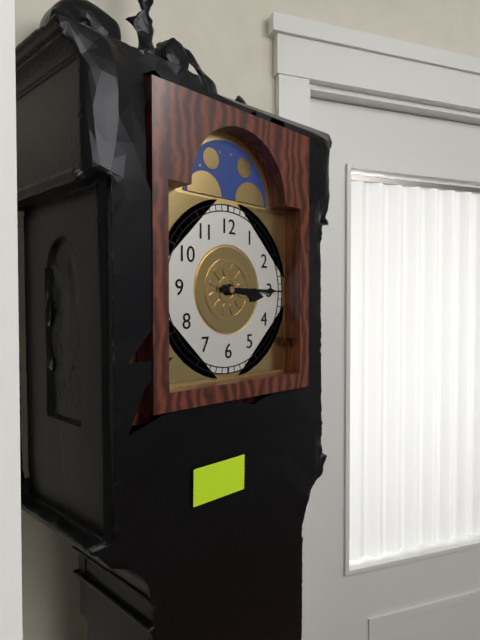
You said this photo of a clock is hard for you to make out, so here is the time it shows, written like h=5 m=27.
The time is h=3 m=15
